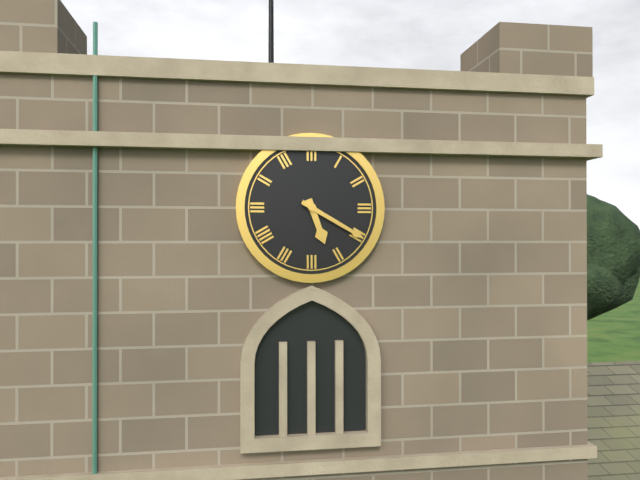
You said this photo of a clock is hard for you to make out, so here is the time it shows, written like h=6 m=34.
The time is h=5 m=20
